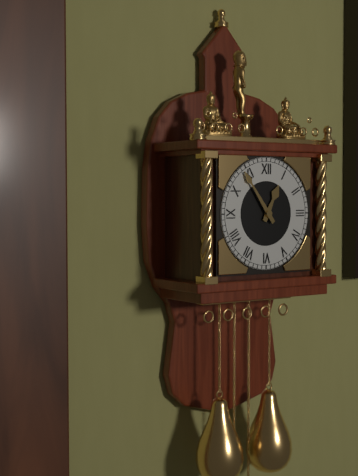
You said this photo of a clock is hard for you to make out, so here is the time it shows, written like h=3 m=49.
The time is h=12 m=54
